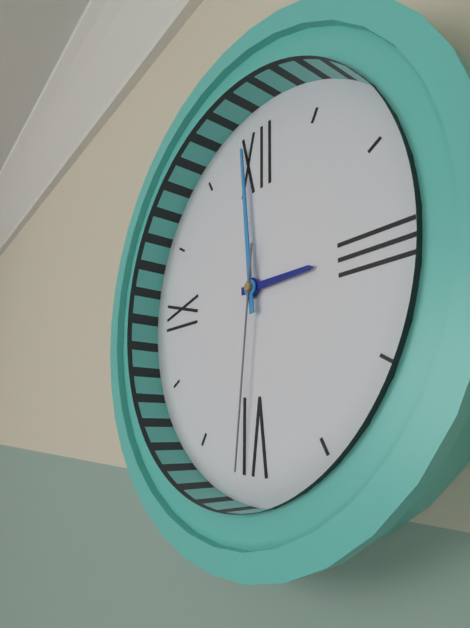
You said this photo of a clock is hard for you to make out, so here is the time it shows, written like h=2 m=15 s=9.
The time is h=2 m=59 s=31
